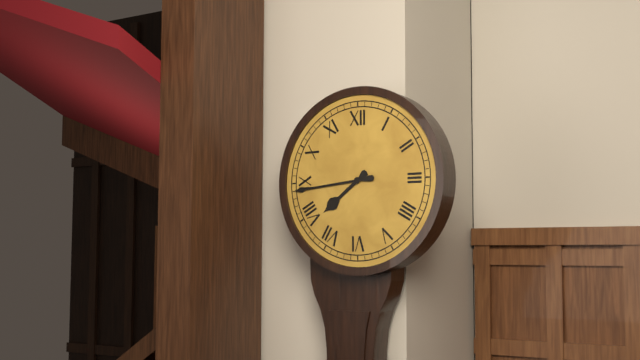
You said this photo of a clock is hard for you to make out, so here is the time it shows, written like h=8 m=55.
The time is h=7 m=44
